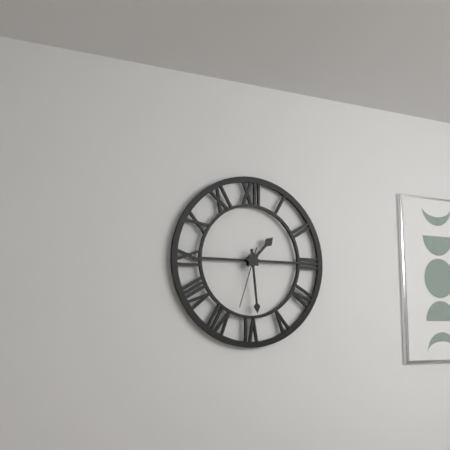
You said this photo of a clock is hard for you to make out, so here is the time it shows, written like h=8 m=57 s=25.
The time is h=1 m=29 s=33
